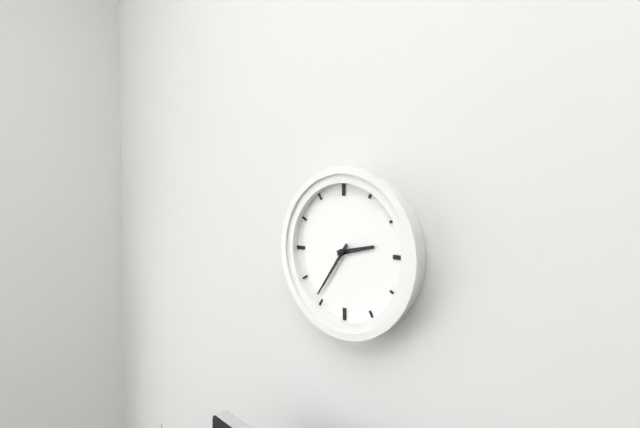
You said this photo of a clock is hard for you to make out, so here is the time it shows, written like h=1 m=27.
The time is h=2 m=36
